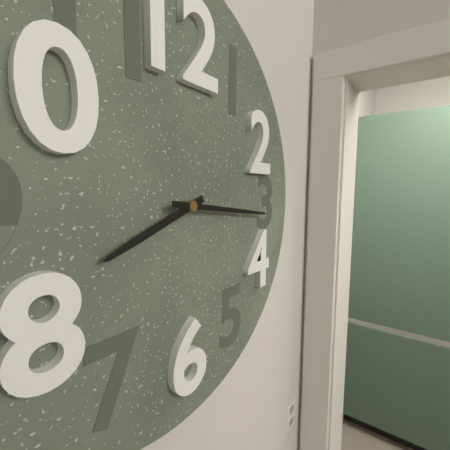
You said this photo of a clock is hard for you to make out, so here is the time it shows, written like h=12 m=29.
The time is h=8 m=16
